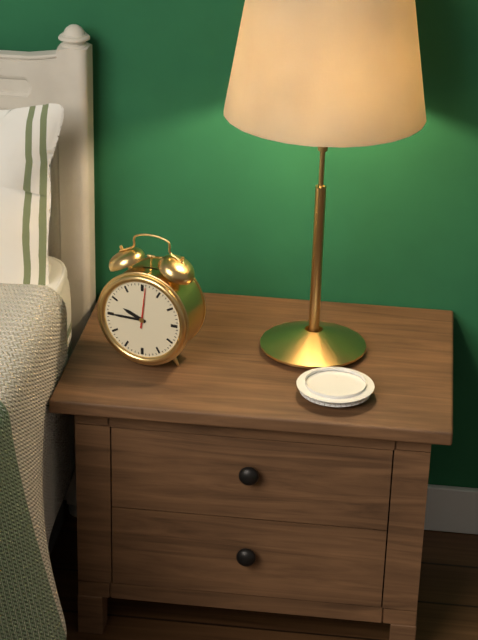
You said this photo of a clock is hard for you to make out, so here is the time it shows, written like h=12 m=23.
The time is h=9 m=45
